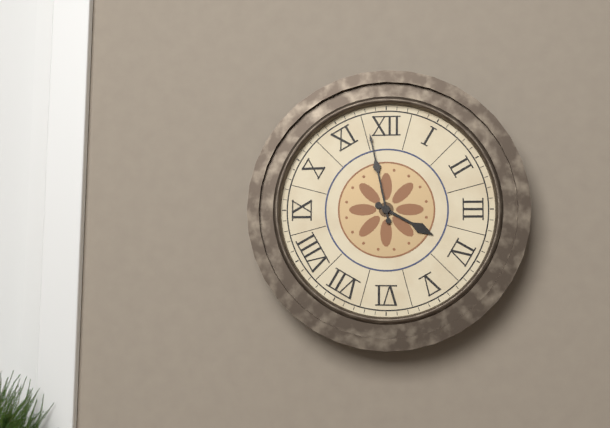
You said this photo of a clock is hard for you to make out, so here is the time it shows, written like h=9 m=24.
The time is h=3 m=58
